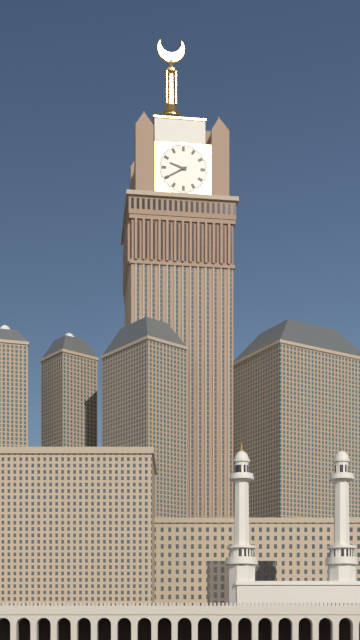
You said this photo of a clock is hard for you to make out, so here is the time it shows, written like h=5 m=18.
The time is h=9 m=40
